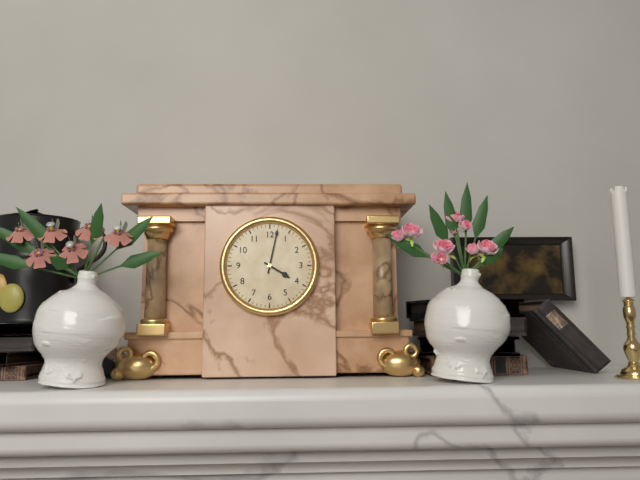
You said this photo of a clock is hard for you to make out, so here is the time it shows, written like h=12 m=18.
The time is h=4 m=2
